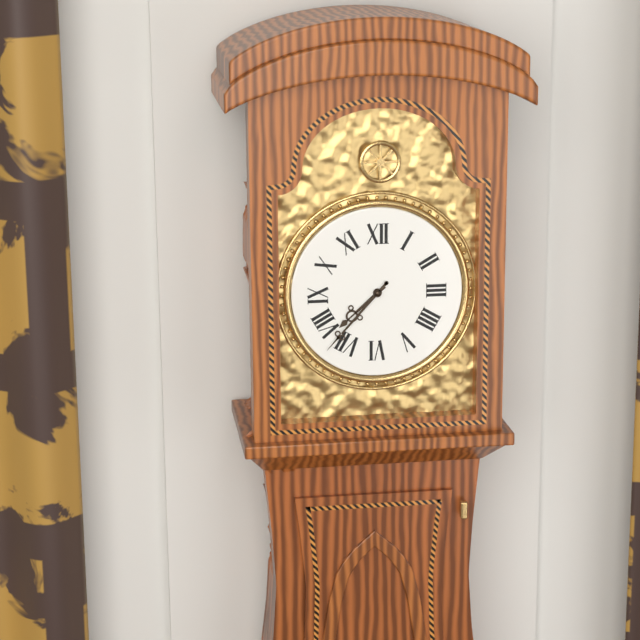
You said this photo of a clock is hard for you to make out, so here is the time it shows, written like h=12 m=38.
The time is h=7 m=37
